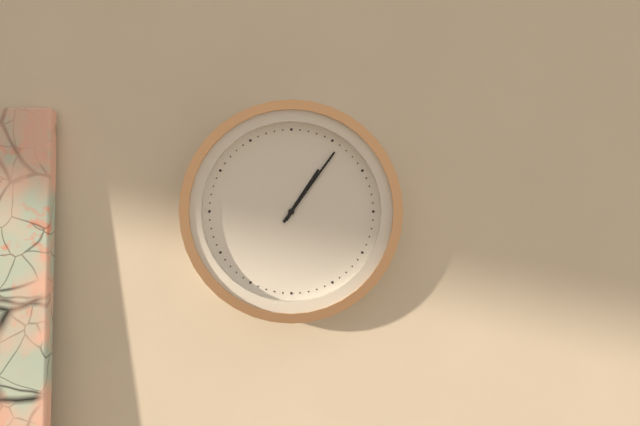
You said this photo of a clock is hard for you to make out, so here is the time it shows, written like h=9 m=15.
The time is h=1 m=6
